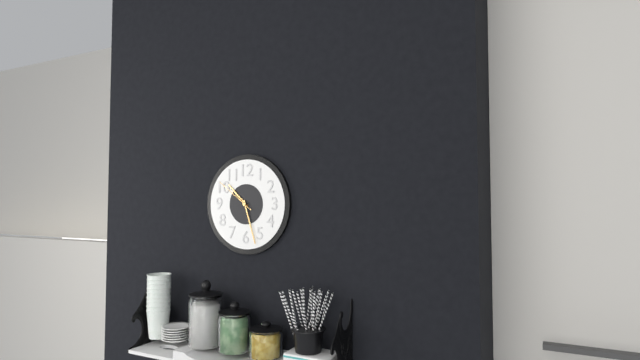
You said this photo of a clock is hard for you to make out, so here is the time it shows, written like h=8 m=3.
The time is h=10 m=27
